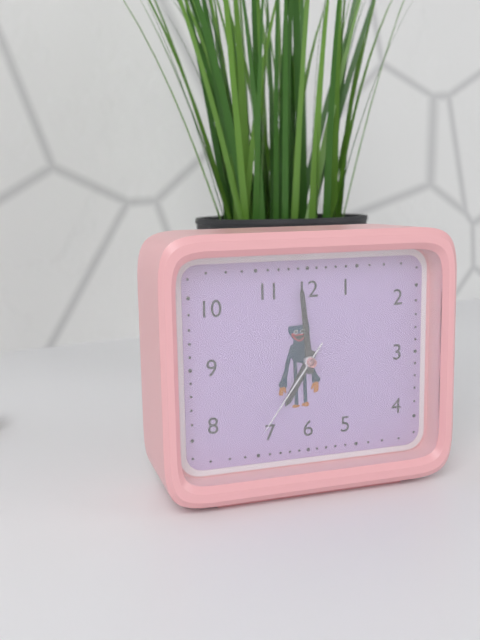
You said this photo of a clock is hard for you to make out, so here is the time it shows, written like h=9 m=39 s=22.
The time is h=6 m=59 s=36
